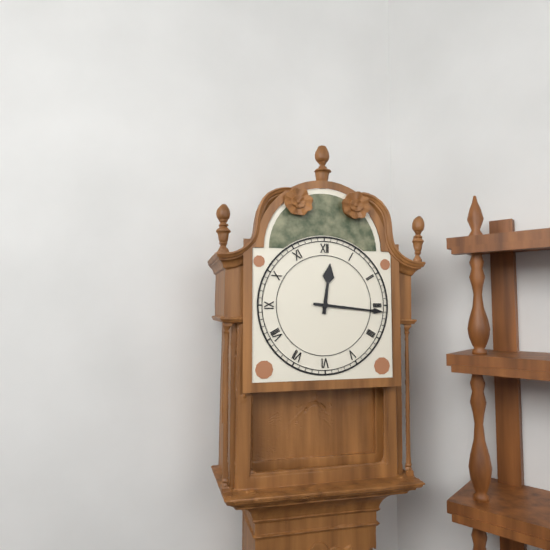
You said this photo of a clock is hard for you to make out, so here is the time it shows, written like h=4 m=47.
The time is h=12 m=16
